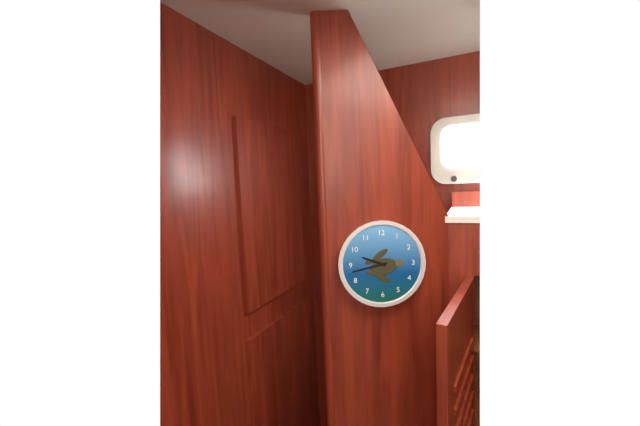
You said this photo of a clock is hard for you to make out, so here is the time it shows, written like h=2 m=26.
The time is h=9 m=43
